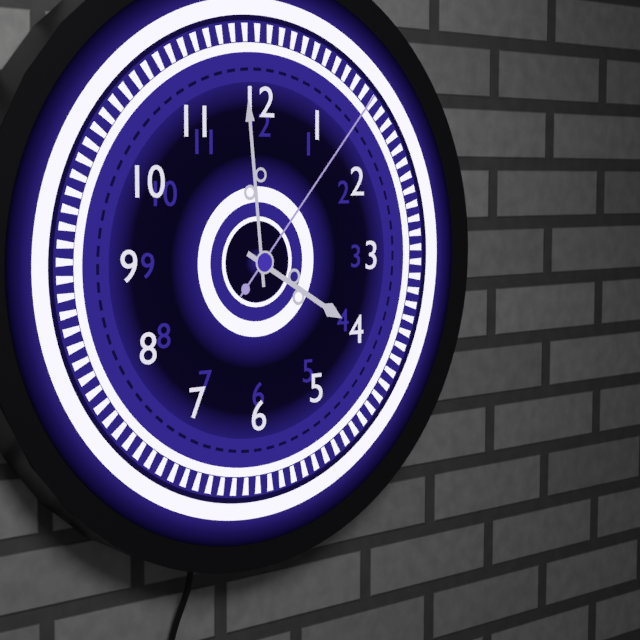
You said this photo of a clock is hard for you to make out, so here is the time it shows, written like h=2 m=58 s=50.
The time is h=3 m=59 s=7
